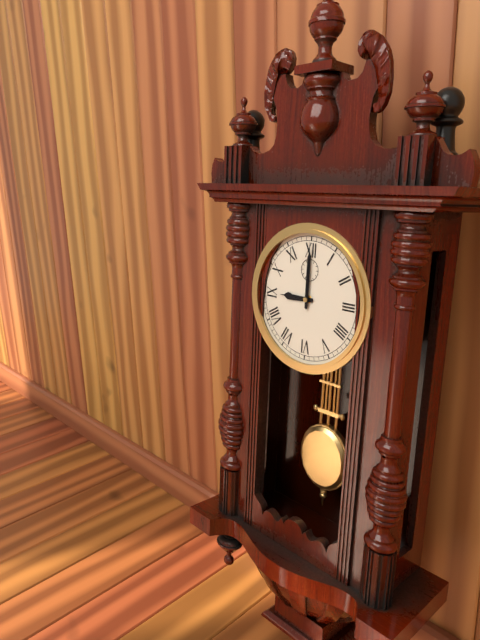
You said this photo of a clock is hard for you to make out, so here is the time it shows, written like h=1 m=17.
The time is h=9 m=0
